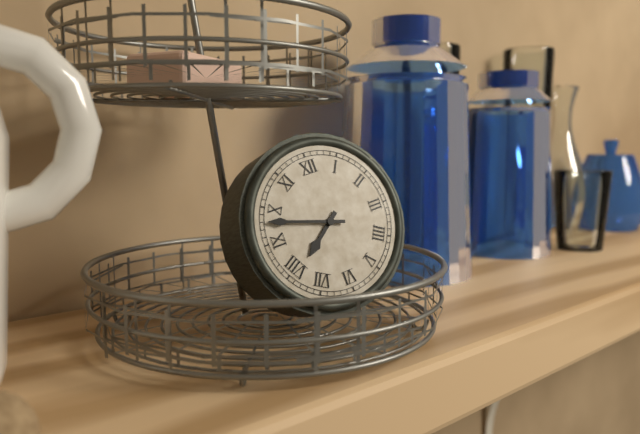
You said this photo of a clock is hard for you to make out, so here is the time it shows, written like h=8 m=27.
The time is h=7 m=48
